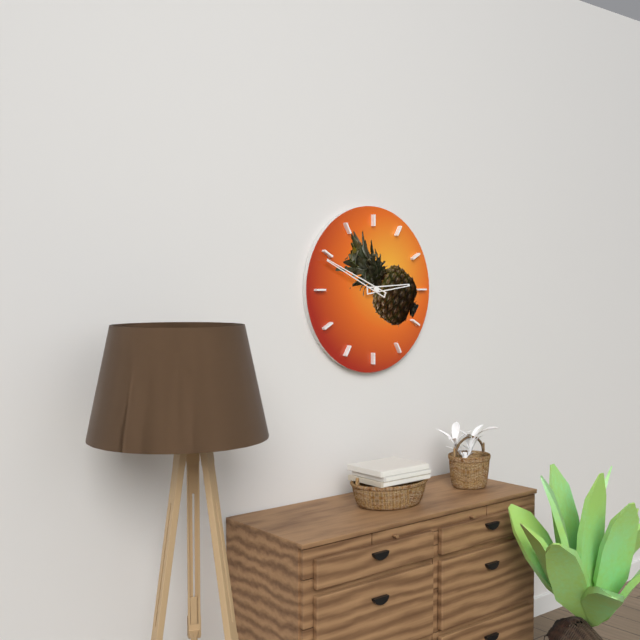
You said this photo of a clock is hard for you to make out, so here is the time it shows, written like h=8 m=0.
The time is h=2 m=49
